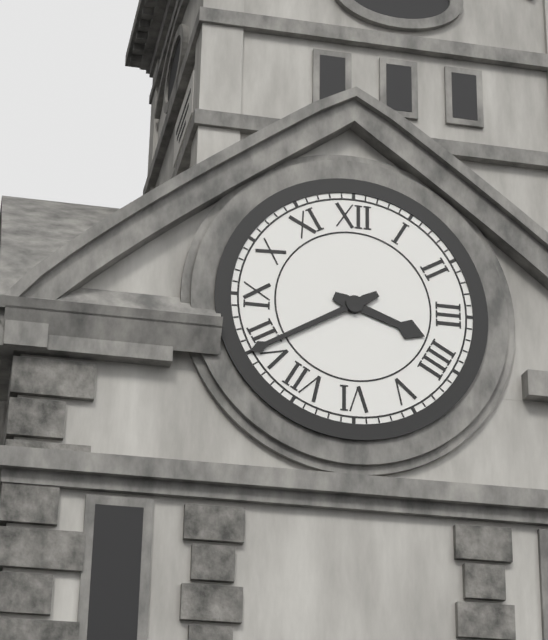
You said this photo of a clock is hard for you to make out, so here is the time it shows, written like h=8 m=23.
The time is h=3 m=40
